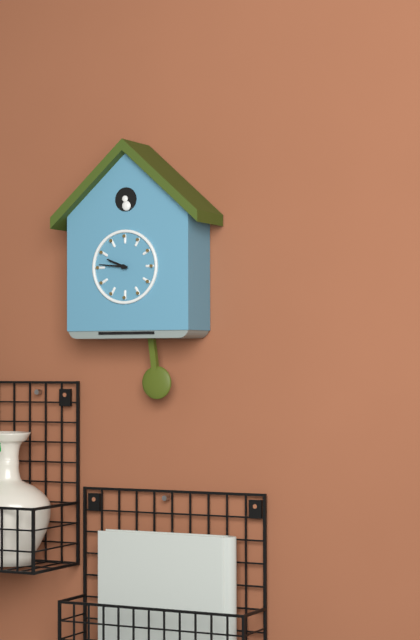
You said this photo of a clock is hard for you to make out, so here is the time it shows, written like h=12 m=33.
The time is h=9 m=46
